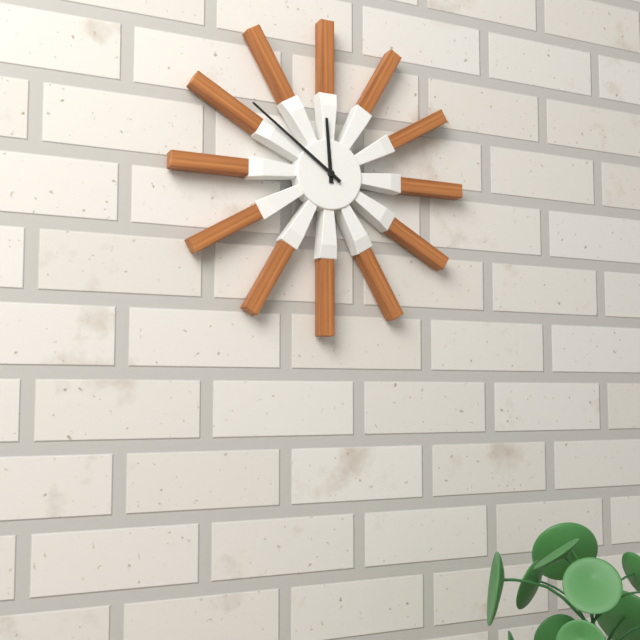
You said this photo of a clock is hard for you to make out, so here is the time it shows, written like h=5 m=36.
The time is h=11 m=51
